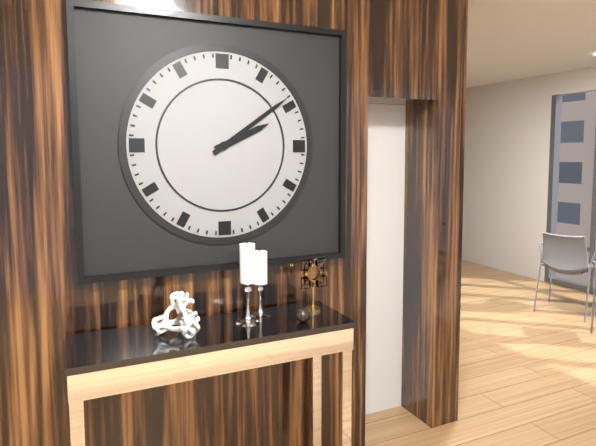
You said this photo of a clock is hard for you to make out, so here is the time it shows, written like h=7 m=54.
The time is h=2 m=9
